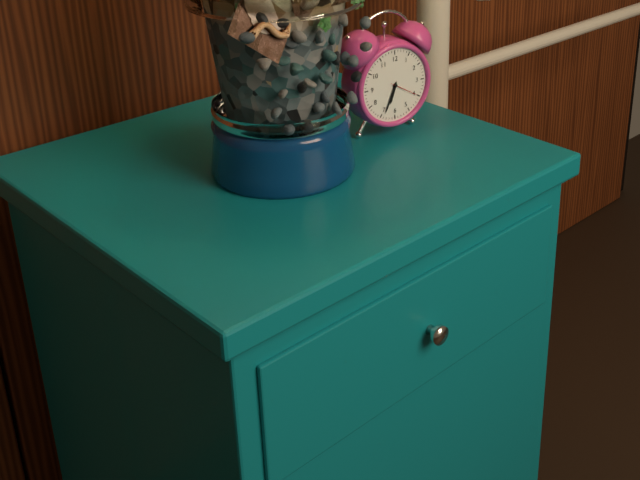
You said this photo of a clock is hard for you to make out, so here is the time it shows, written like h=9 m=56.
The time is h=6 m=34
